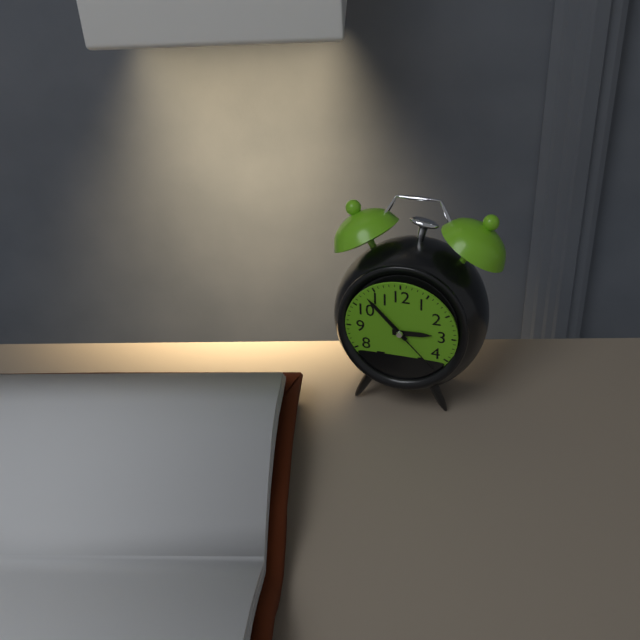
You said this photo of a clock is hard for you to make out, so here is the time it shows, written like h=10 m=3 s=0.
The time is h=2 m=53 s=23
